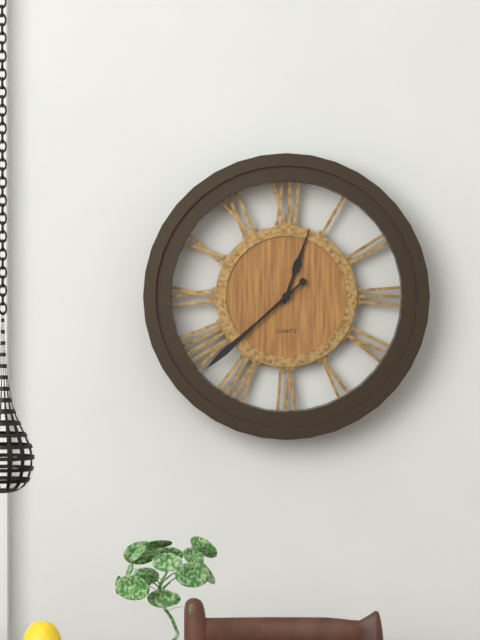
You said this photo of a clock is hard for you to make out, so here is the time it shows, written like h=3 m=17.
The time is h=12 m=38
